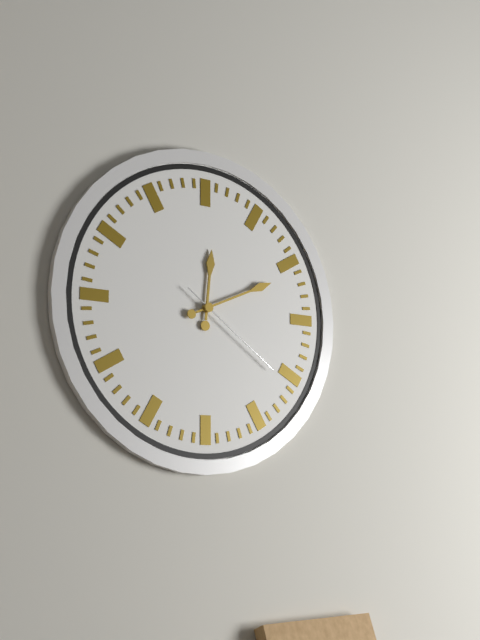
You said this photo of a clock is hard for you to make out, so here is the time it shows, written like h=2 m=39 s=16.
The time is h=12 m=11 s=21
